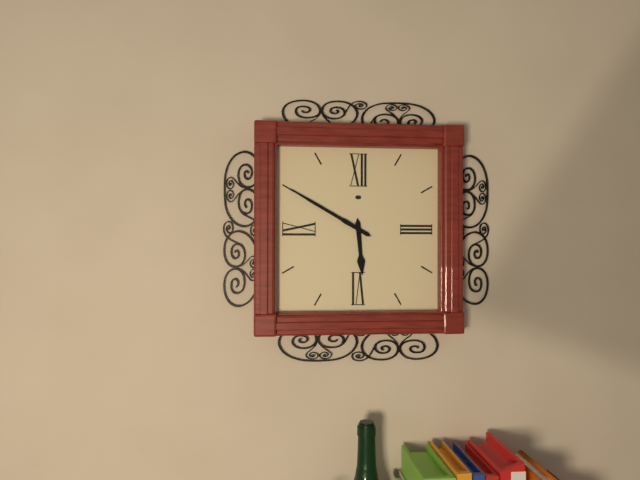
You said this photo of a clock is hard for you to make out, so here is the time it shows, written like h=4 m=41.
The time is h=5 m=50
